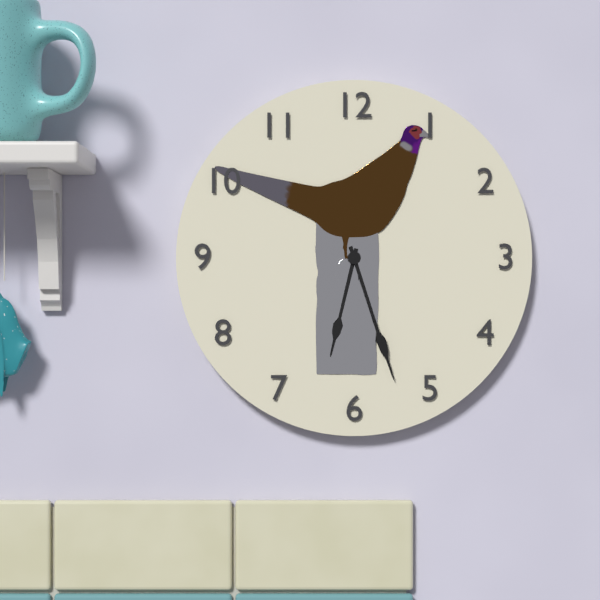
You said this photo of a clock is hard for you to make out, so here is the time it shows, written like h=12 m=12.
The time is h=6 m=27
